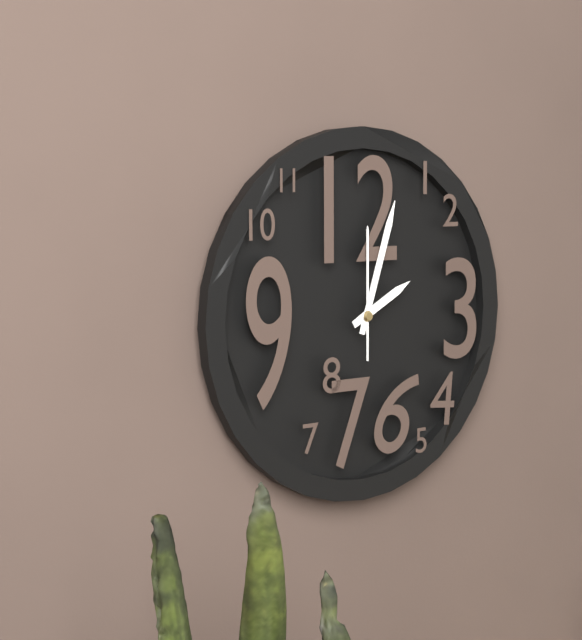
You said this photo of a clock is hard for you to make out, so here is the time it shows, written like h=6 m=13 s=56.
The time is h=2 m=3 s=0
